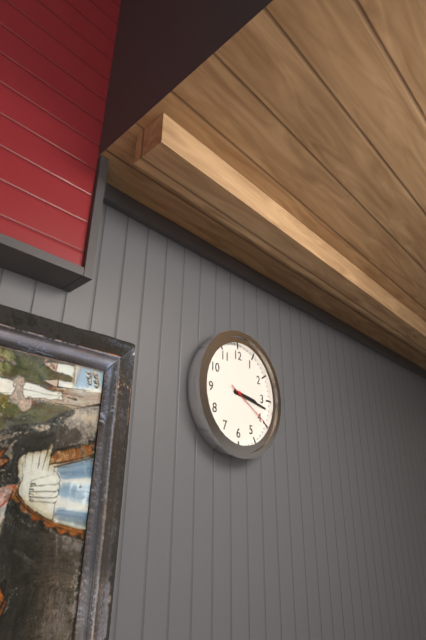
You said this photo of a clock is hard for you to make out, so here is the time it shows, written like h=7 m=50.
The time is h=3 m=17
